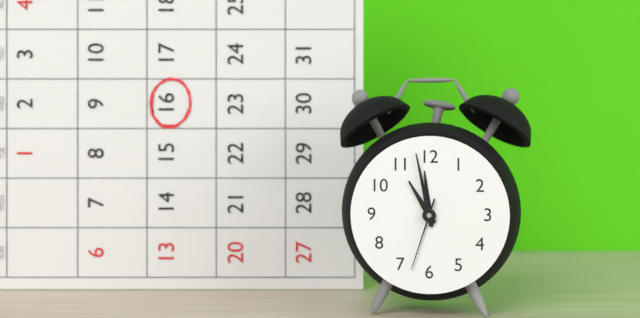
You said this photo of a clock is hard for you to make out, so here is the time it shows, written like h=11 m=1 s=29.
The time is h=10 m=58 s=33
